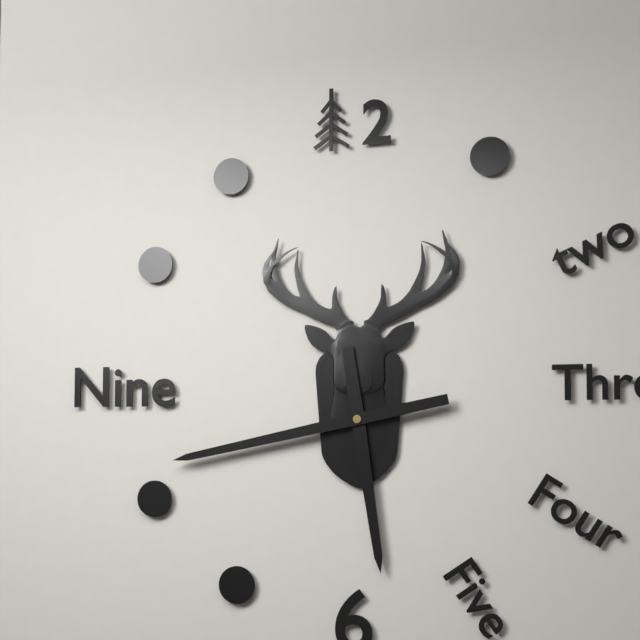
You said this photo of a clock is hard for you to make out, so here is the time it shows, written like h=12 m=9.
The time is h=5 m=43
